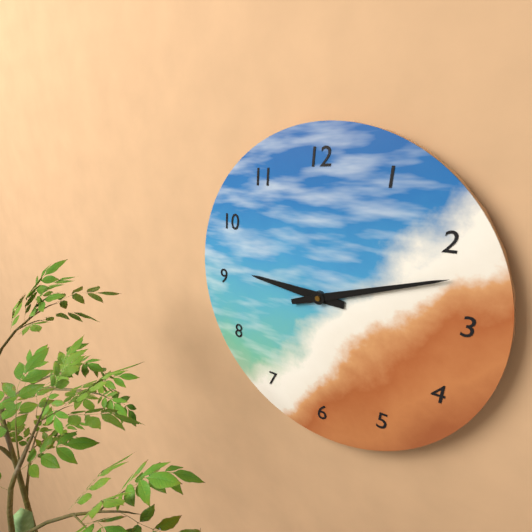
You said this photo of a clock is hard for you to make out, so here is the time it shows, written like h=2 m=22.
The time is h=9 m=12
